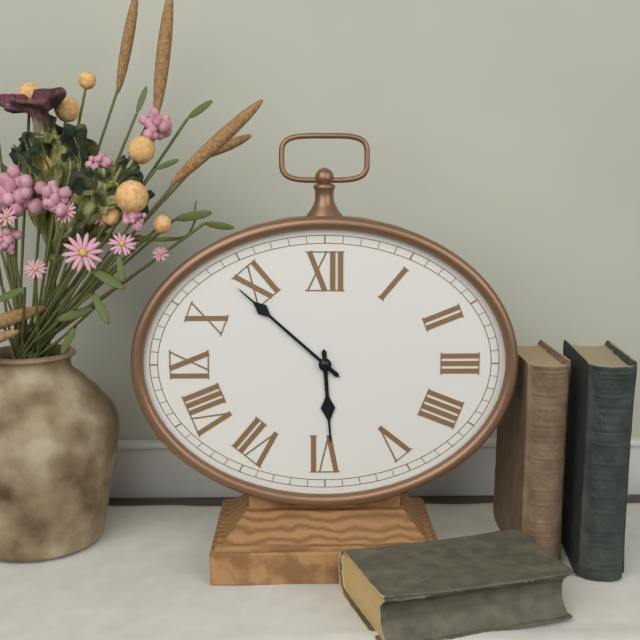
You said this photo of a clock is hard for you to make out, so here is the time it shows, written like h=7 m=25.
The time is h=5 m=52
